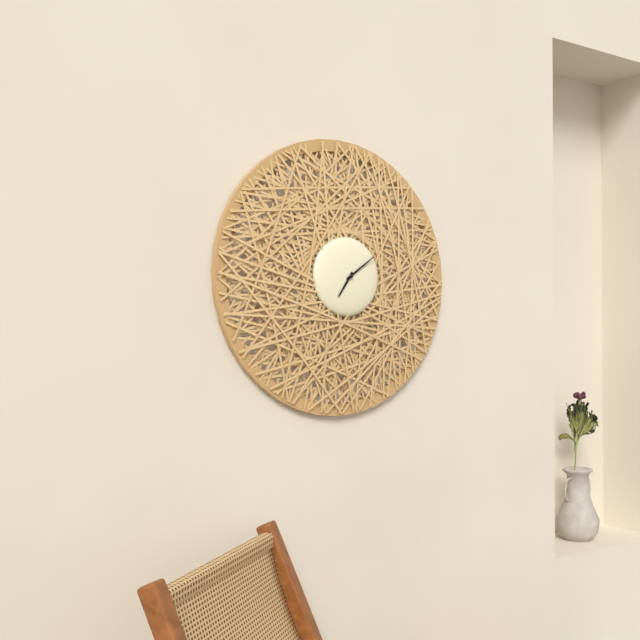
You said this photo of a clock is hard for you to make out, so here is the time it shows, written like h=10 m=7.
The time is h=7 m=9
